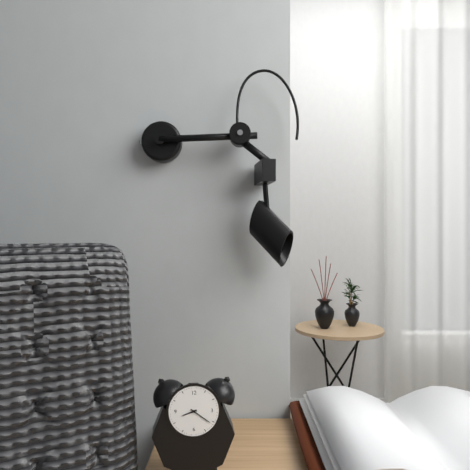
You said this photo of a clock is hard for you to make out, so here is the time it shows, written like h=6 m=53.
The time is h=8 m=21
